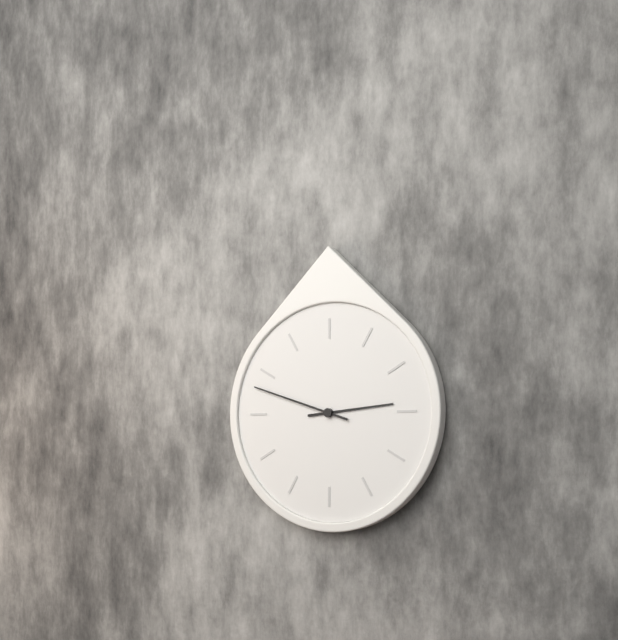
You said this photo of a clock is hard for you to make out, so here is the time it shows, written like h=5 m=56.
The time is h=2 m=48
